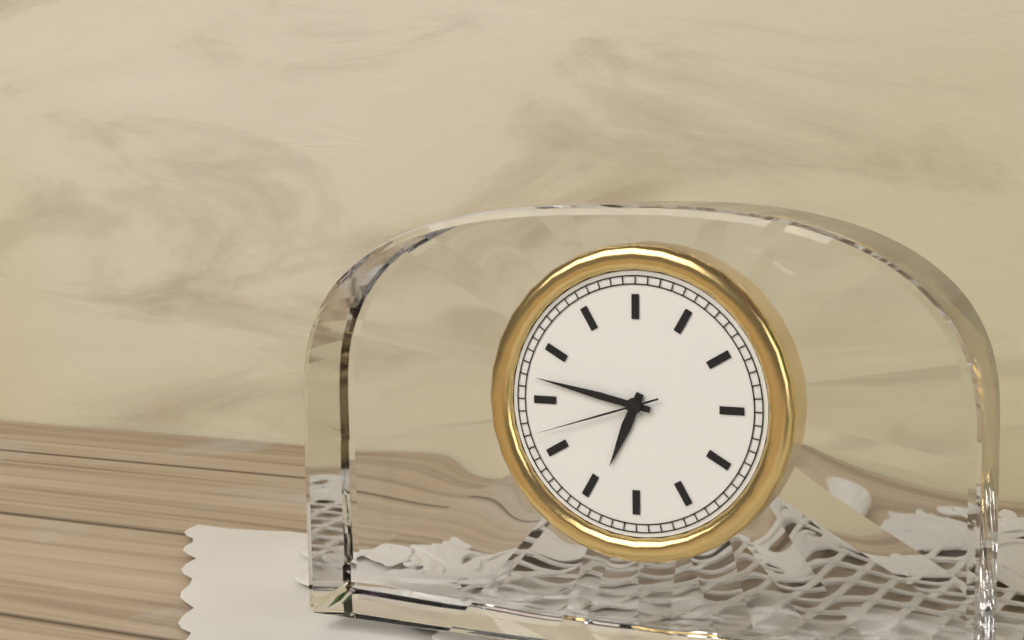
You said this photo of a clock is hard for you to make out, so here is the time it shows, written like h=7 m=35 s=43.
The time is h=6 m=47 s=42
